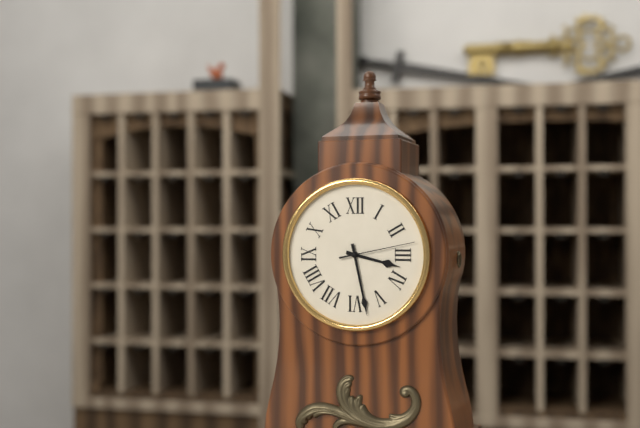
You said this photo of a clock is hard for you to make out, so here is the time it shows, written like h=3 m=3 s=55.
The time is h=3 m=28 s=13
